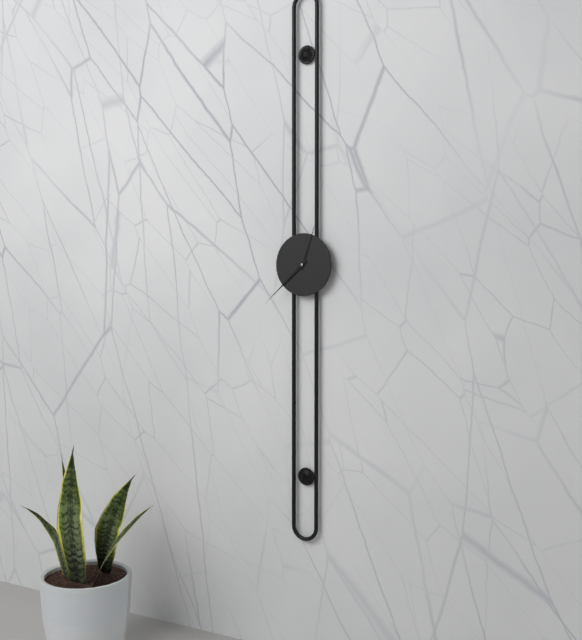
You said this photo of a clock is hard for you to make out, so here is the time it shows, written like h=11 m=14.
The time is h=12 m=38
